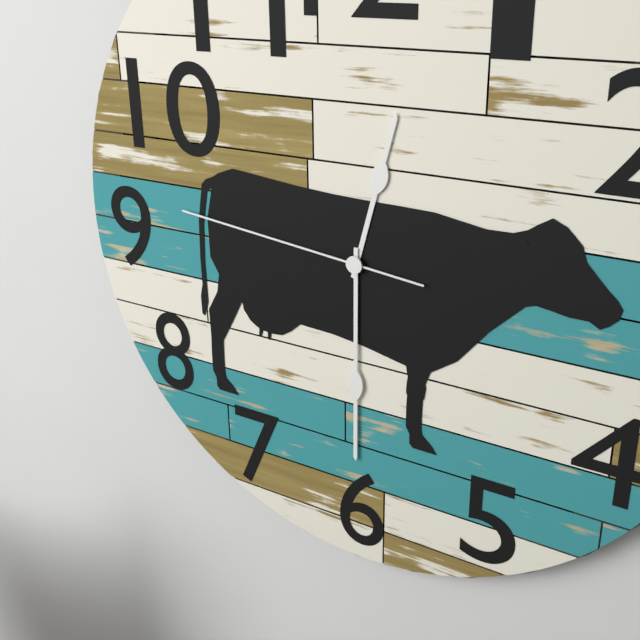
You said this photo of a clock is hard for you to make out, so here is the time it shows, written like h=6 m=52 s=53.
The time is h=12 m=30 s=46
